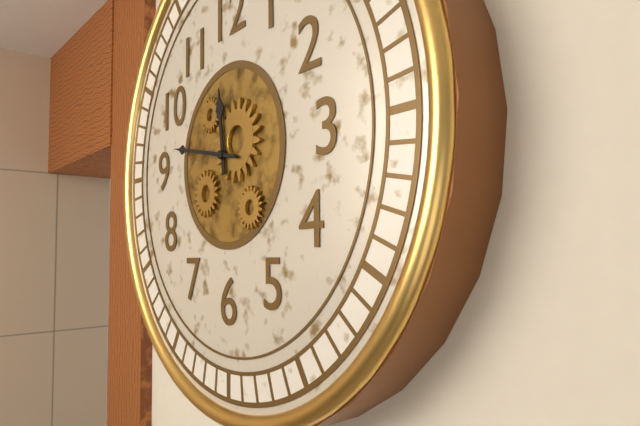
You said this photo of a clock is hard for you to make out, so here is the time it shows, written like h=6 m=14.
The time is h=11 m=47
